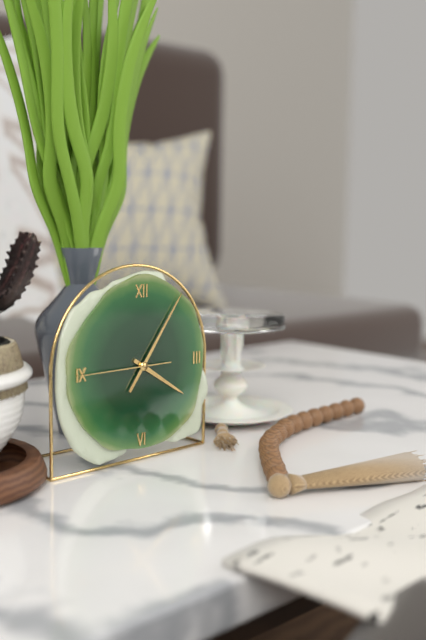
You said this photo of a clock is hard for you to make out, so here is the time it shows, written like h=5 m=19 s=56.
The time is h=4 m=6 s=45
